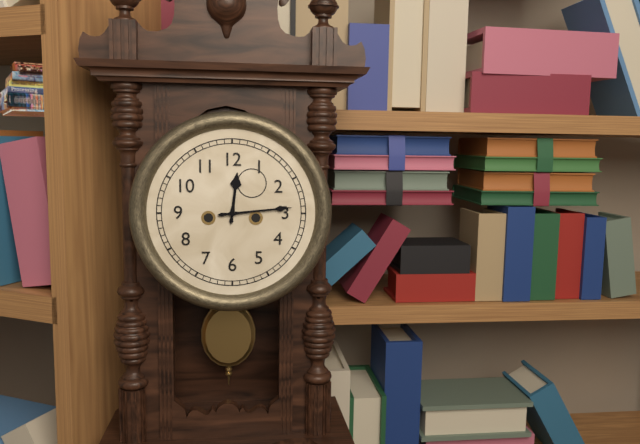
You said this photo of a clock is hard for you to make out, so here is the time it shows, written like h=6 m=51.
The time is h=12 m=14
